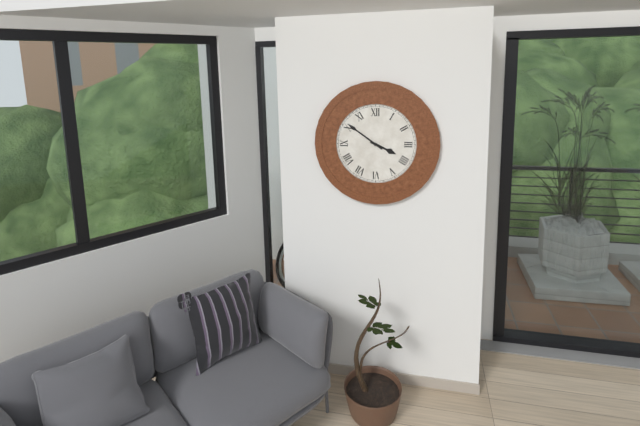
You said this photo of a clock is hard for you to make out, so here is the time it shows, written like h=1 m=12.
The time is h=3 m=51
